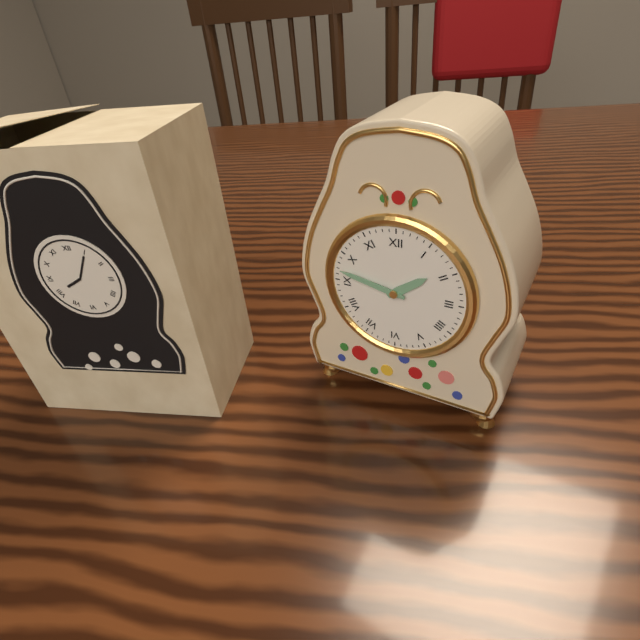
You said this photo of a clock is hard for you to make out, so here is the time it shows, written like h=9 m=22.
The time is h=1 m=47
